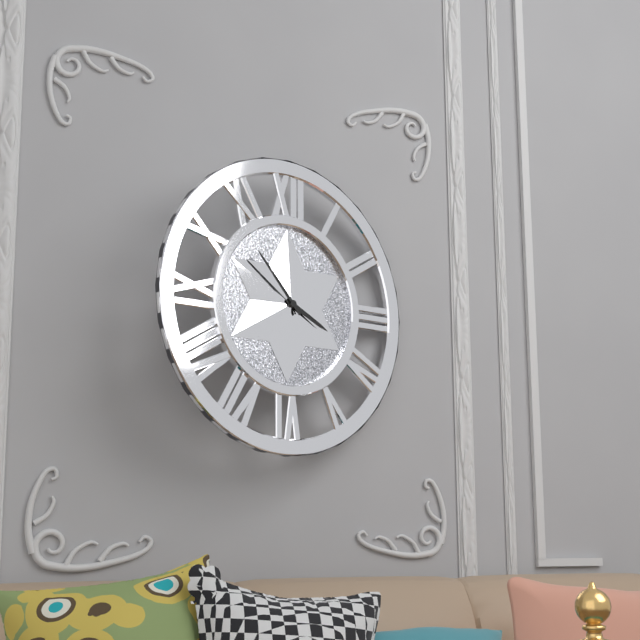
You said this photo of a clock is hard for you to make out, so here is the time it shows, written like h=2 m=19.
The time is h=3 m=53
